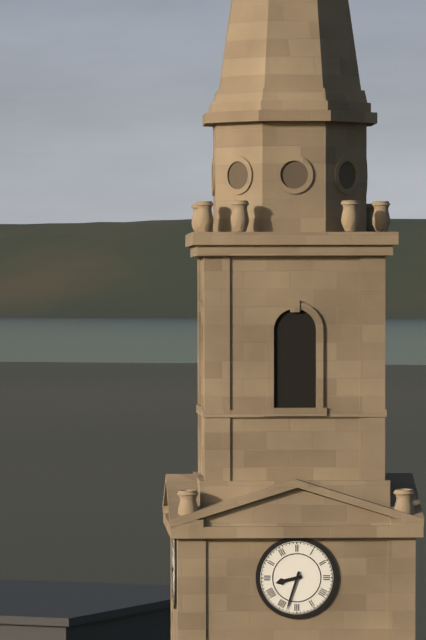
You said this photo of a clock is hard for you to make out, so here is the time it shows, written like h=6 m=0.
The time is h=8 m=33
